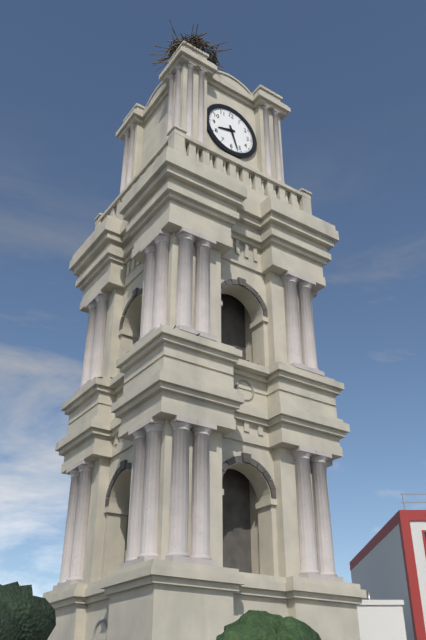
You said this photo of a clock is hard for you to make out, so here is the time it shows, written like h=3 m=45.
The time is h=8 m=27
